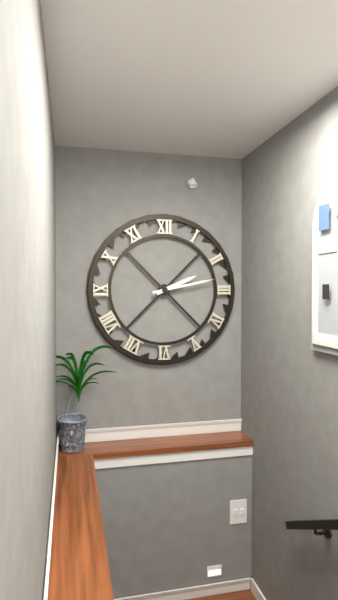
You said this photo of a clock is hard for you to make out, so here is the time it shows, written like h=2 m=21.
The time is h=2 m=13
